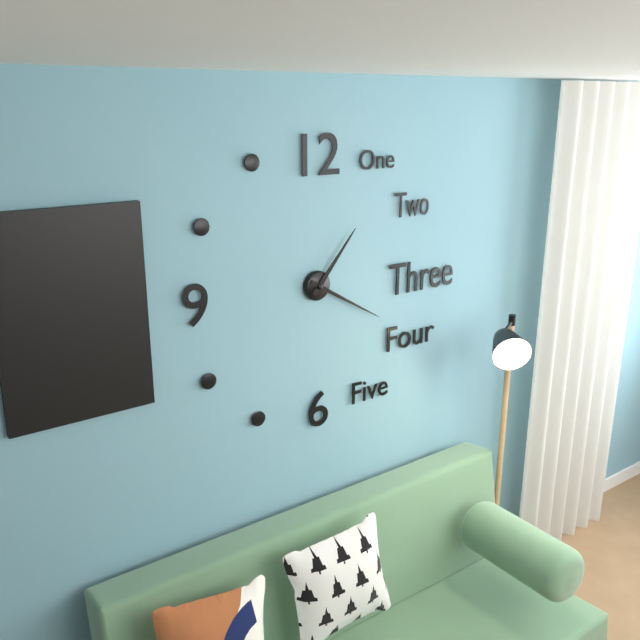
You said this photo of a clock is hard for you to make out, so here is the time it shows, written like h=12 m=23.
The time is h=1 m=20
